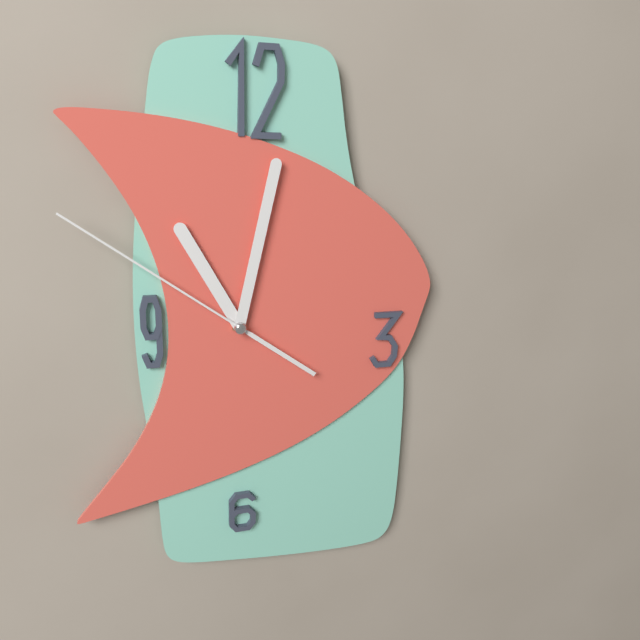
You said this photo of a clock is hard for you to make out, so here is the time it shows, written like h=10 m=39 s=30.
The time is h=11 m=2 s=51
